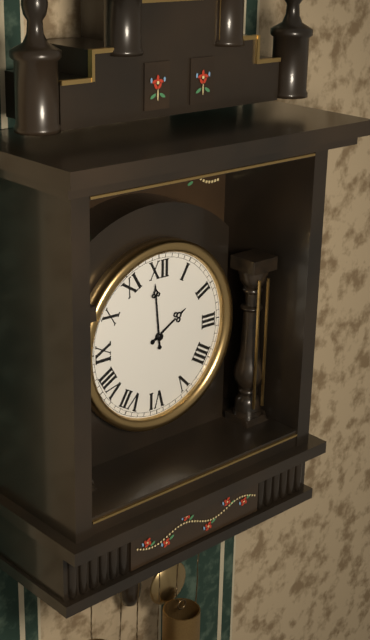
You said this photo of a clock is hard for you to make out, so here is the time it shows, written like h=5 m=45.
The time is h=1 m=59
